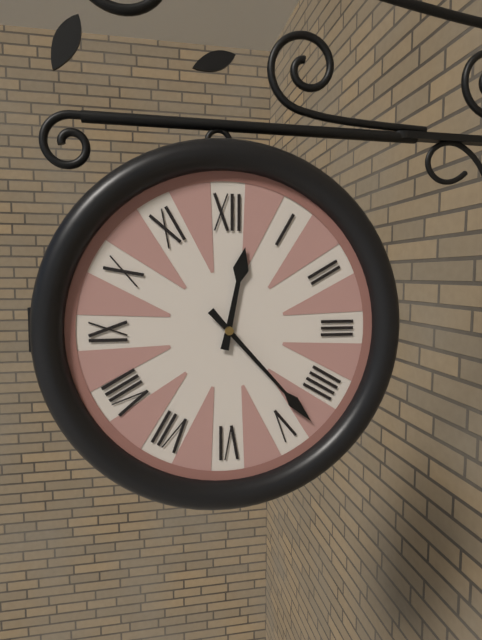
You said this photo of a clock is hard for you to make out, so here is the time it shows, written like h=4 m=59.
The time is h=12 m=23
